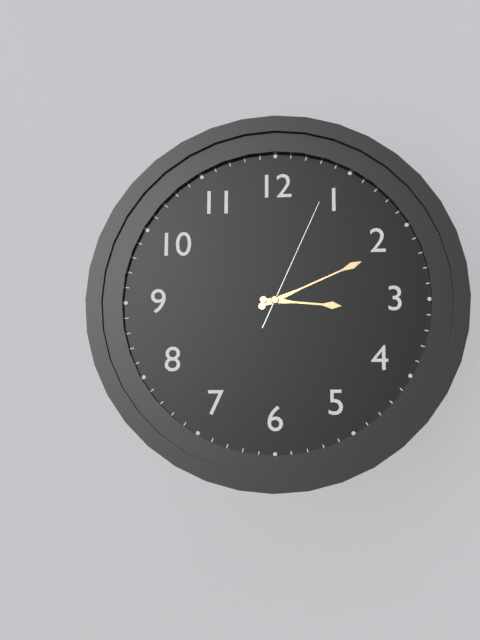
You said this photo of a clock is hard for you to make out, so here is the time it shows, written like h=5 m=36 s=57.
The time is h=3 m=11 s=4
